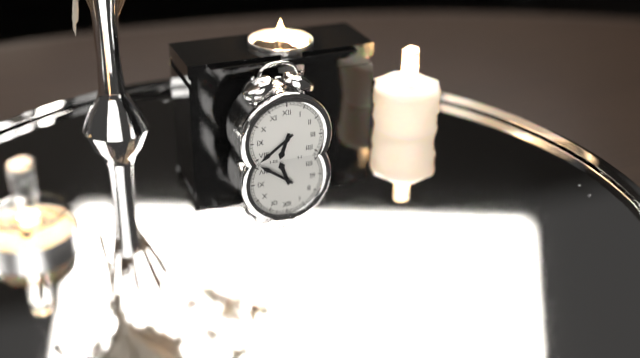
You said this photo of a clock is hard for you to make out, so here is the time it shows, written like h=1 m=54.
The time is h=6 m=39
